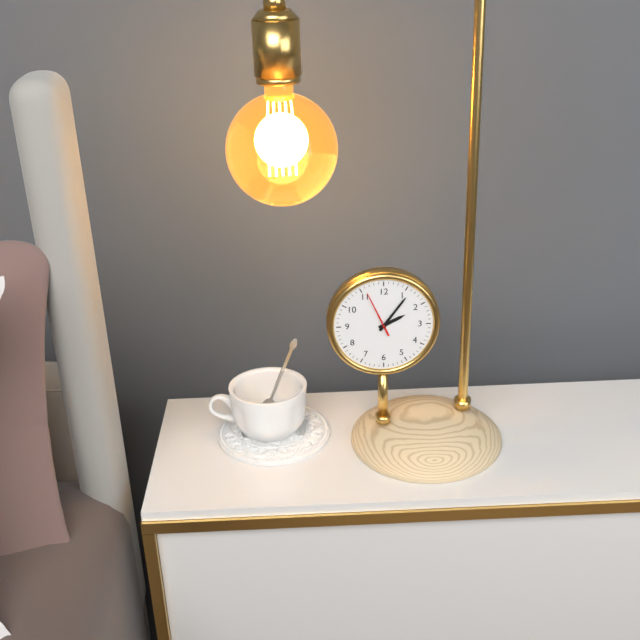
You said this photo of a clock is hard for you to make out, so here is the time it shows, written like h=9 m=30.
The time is h=2 m=6
